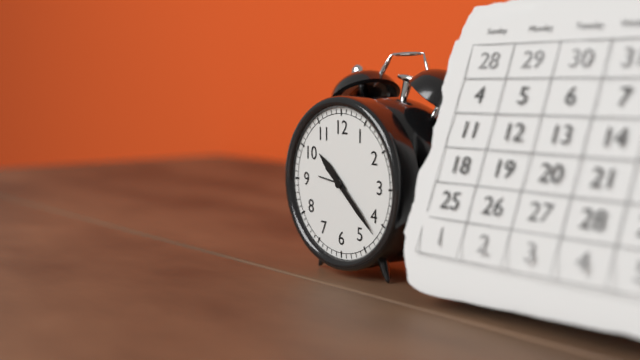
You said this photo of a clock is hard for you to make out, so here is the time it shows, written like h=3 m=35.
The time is h=10 m=22
